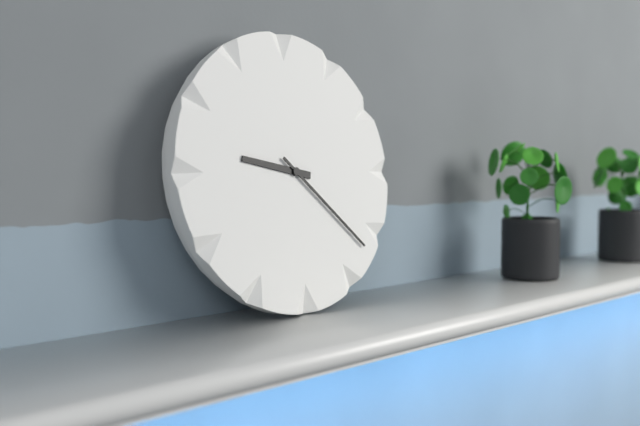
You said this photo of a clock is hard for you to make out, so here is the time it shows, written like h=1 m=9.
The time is h=9 m=22
